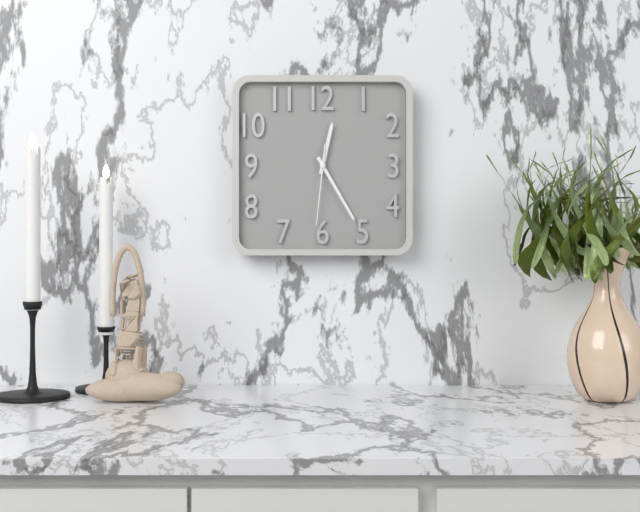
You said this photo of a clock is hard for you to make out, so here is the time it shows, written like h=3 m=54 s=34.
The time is h=12 m=25 s=31
